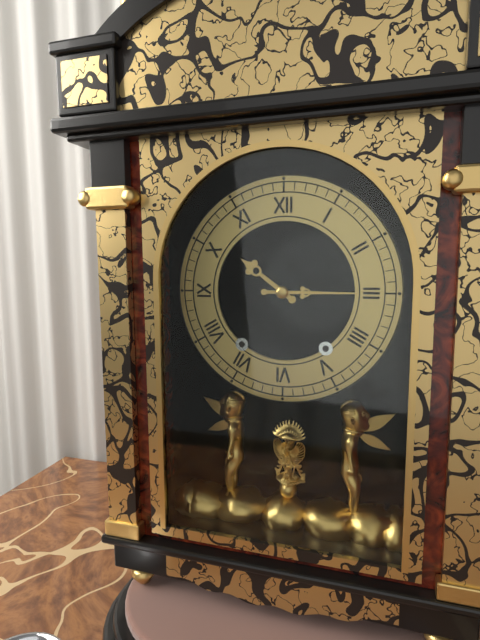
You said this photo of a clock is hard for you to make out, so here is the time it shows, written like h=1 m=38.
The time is h=10 m=15
